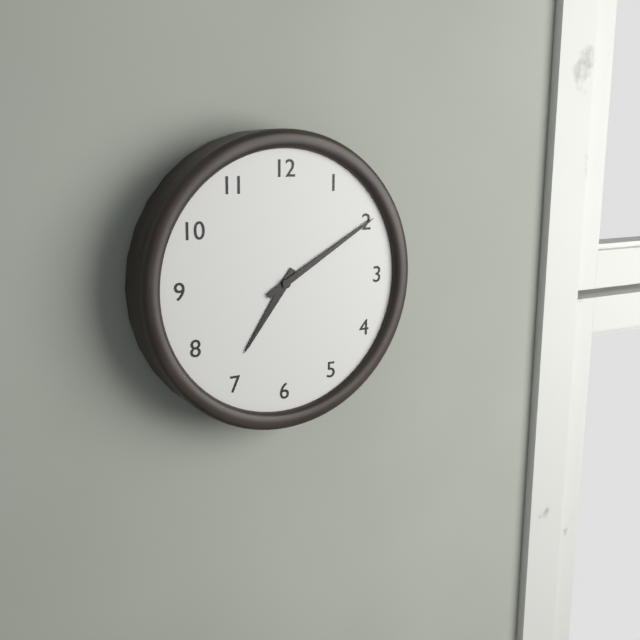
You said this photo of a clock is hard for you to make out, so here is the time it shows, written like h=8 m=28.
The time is h=7 m=10
